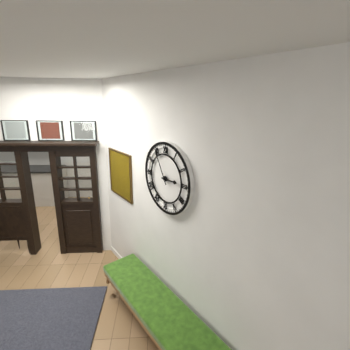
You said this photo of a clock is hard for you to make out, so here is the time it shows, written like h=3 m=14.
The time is h=2 m=55
